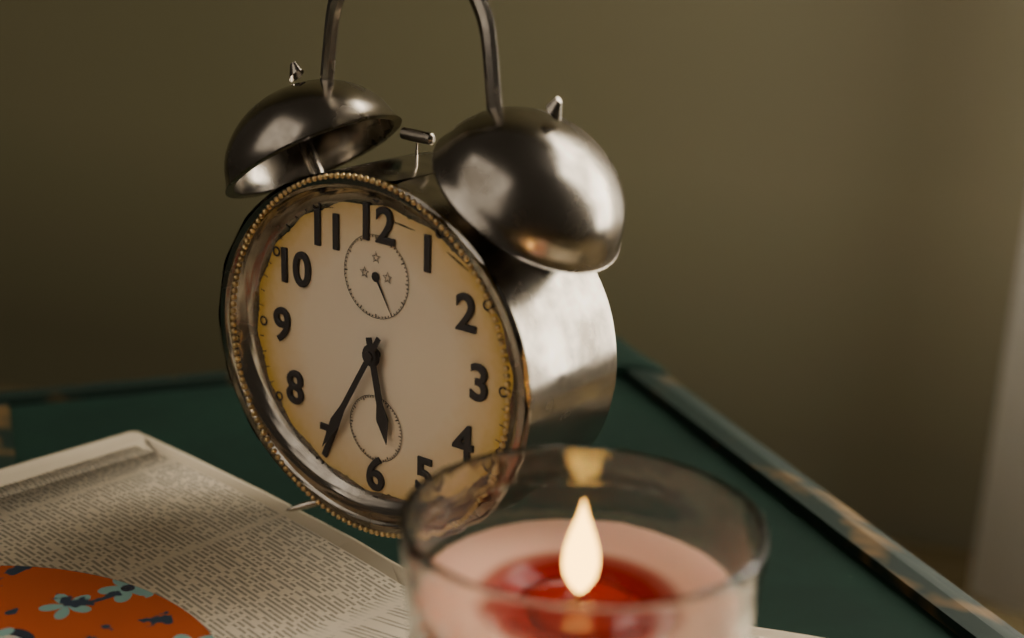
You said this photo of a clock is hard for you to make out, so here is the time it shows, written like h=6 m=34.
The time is h=5 m=35
